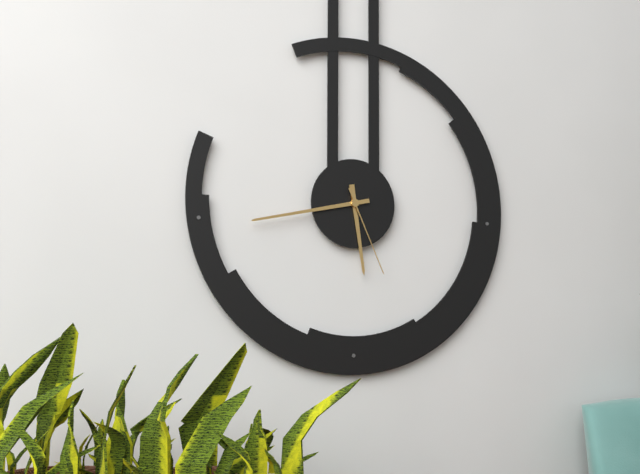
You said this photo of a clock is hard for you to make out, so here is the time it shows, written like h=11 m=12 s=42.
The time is h=5 m=43 s=26
